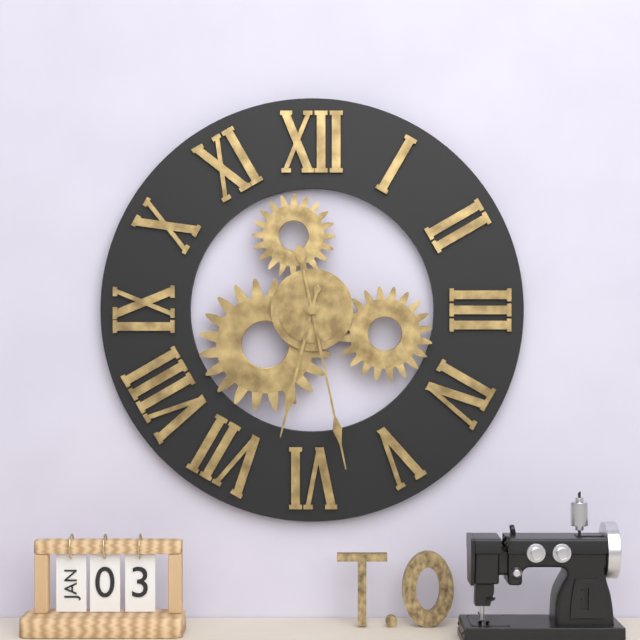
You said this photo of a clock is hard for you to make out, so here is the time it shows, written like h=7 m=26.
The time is h=6 m=28
